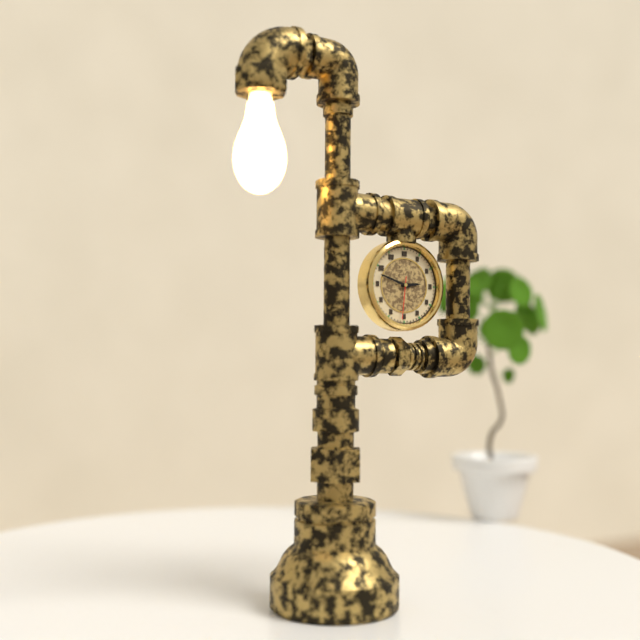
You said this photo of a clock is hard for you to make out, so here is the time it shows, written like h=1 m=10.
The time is h=2 m=48
